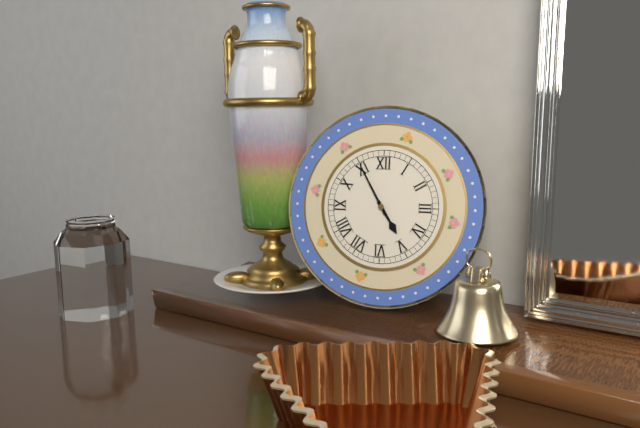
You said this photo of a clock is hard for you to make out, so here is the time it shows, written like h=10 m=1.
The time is h=4 m=55
